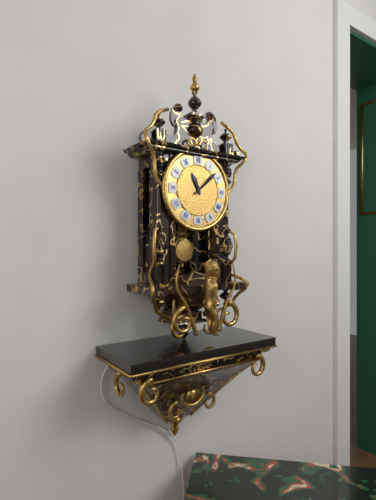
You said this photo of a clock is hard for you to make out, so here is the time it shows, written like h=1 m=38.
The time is h=11 m=8
